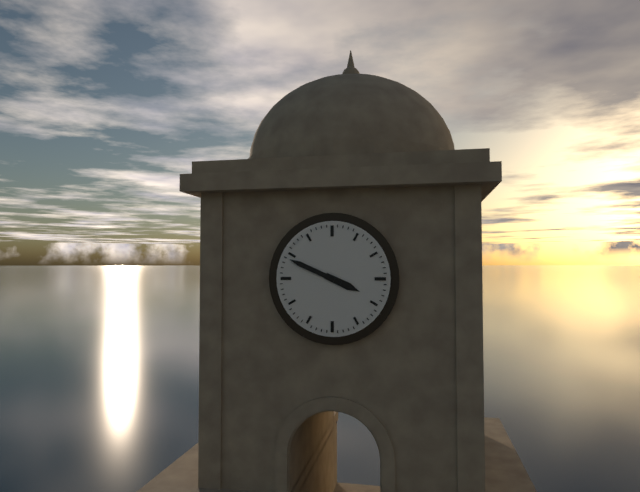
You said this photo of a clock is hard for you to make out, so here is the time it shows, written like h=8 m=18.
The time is h=3 m=49
